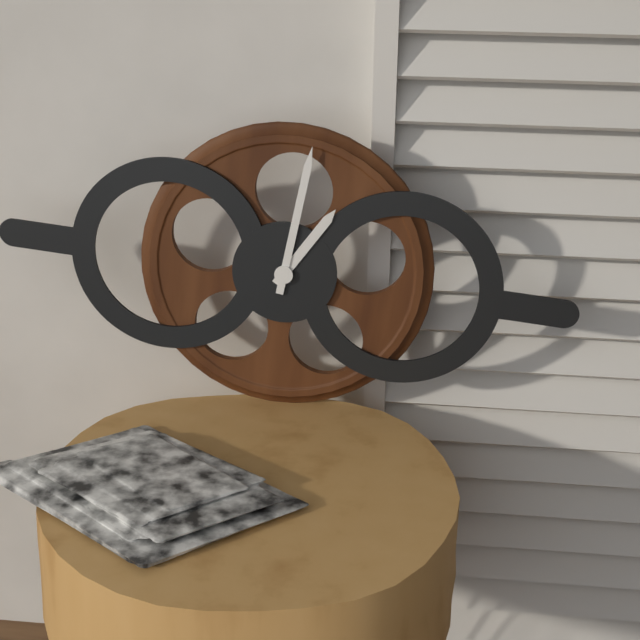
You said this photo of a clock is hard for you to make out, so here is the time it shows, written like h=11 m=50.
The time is h=1 m=1
